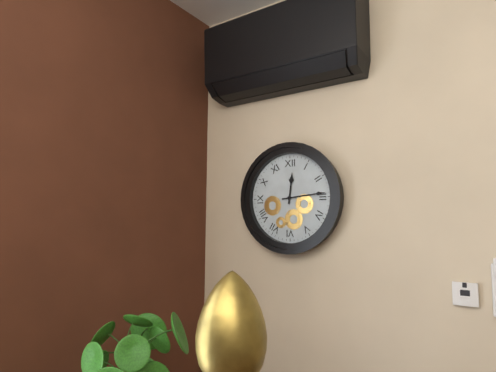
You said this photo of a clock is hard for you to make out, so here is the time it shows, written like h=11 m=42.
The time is h=12 m=14
